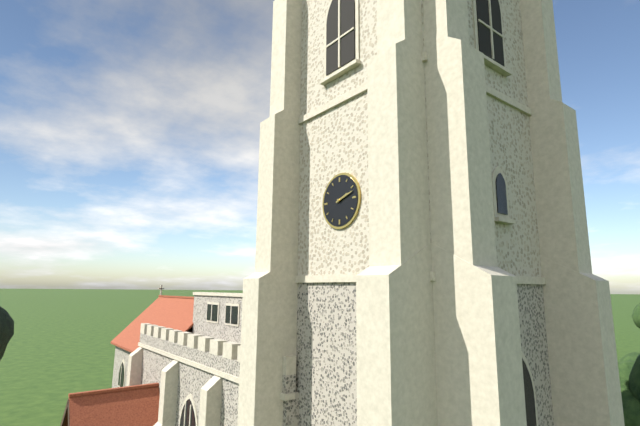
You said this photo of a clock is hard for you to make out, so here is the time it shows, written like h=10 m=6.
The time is h=2 m=12
